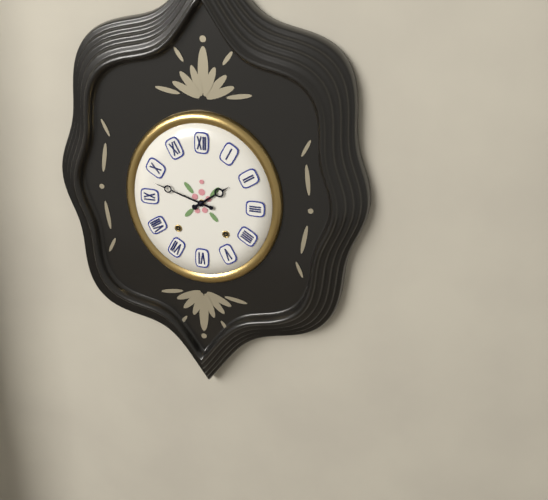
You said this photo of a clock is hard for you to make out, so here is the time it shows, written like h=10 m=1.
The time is h=1 m=48
